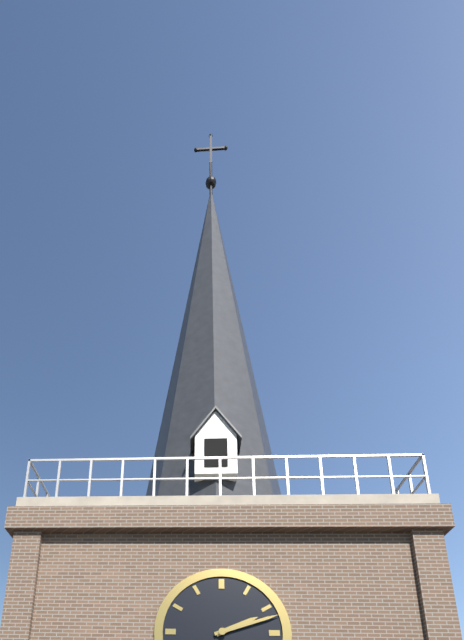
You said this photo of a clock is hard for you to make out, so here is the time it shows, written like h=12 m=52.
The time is h=2 m=12
